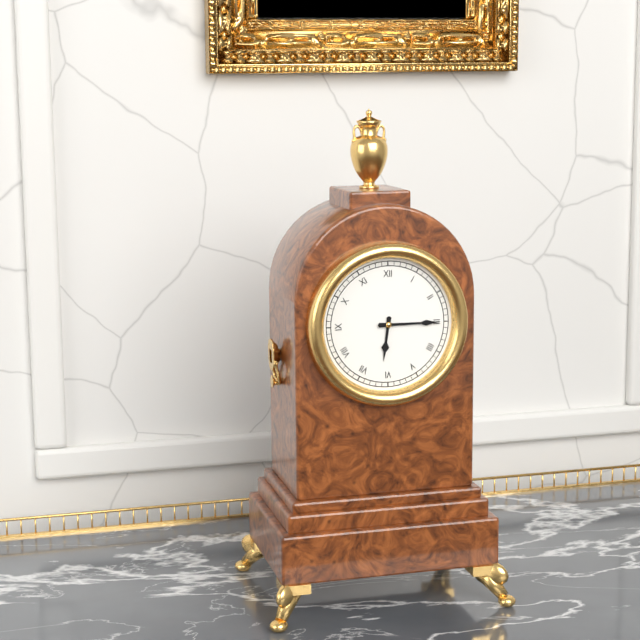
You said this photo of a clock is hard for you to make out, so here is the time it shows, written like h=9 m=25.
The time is h=6 m=15
